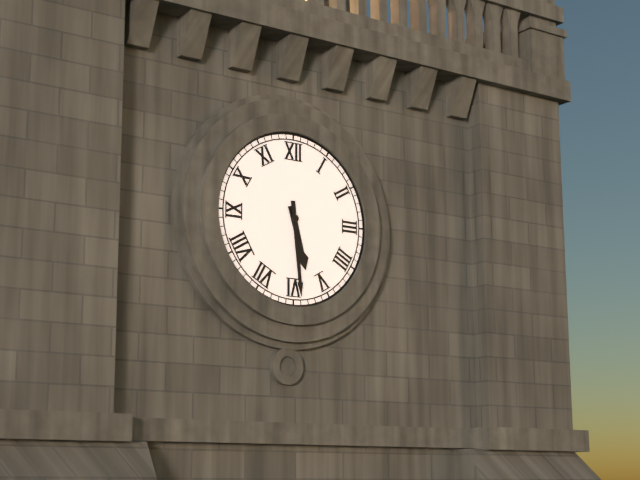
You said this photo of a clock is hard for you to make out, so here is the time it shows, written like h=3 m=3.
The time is h=5 m=29
